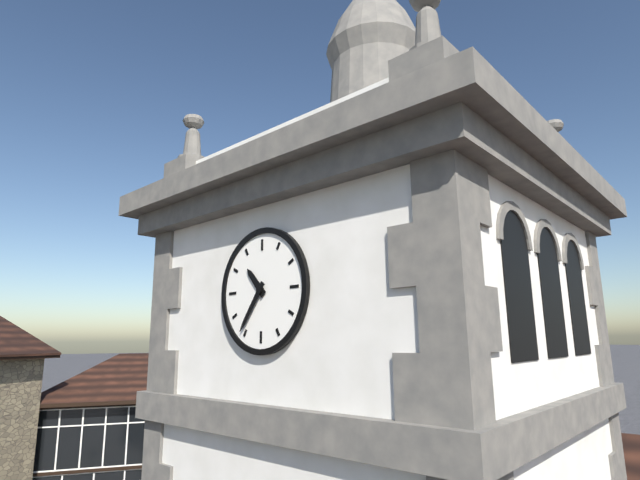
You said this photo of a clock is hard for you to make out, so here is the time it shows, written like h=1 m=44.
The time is h=10 m=36
